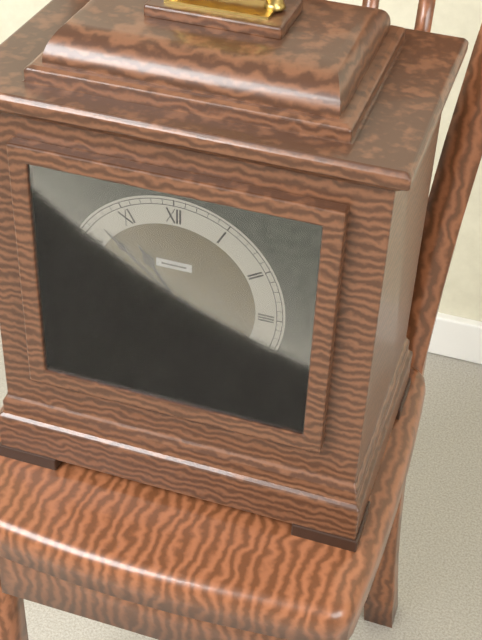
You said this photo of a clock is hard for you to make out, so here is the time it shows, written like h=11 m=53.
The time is h=10 m=52
